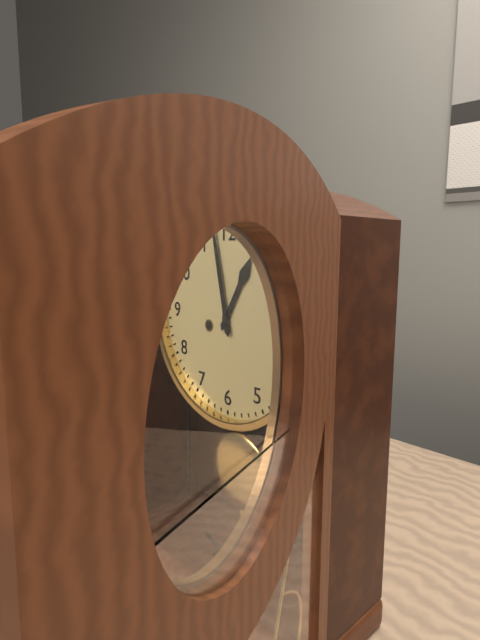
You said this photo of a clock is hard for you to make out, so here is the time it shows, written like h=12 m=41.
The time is h=12 m=58
